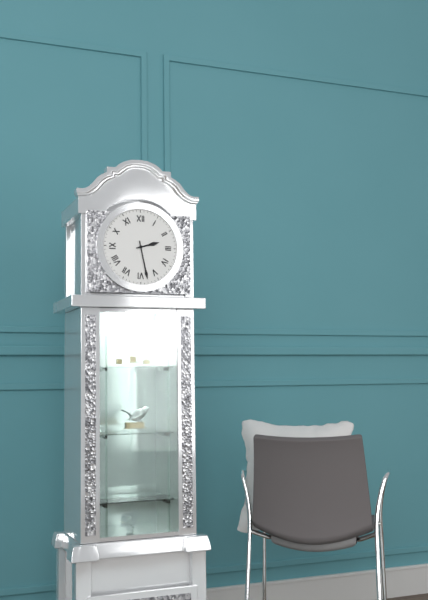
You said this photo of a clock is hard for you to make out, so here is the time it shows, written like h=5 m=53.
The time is h=2 m=28
